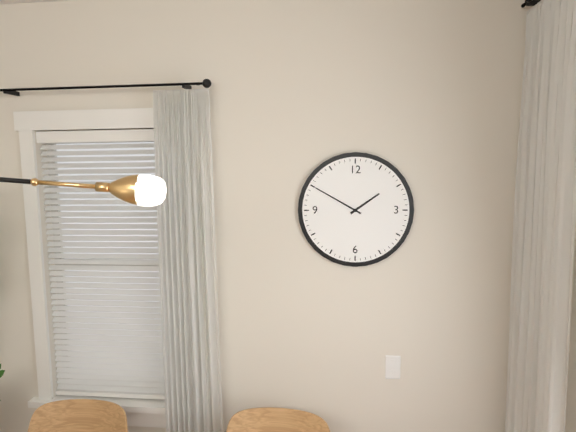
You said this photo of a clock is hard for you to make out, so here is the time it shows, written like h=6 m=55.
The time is h=1 m=50
